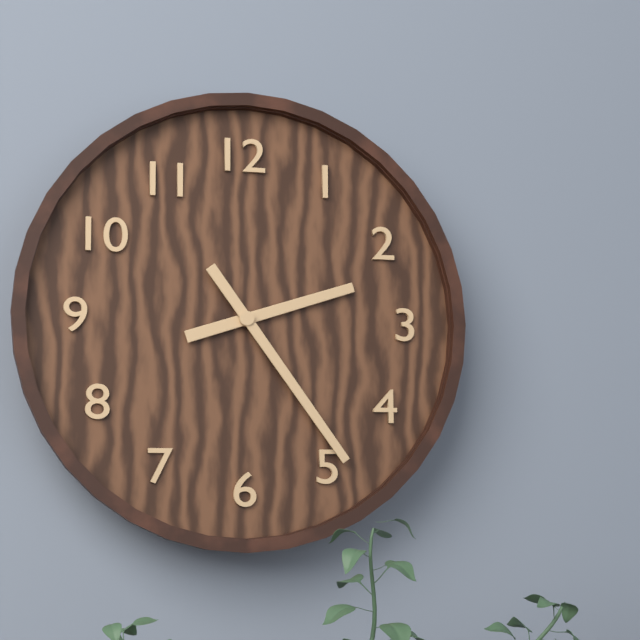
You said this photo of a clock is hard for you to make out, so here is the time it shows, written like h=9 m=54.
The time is h=2 m=24
